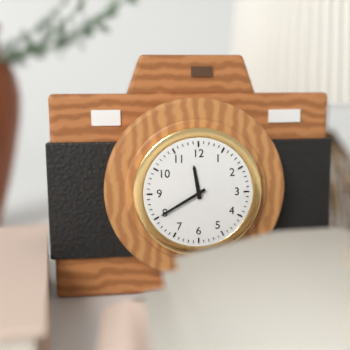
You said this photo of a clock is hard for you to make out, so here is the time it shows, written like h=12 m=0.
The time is h=11 m=40
